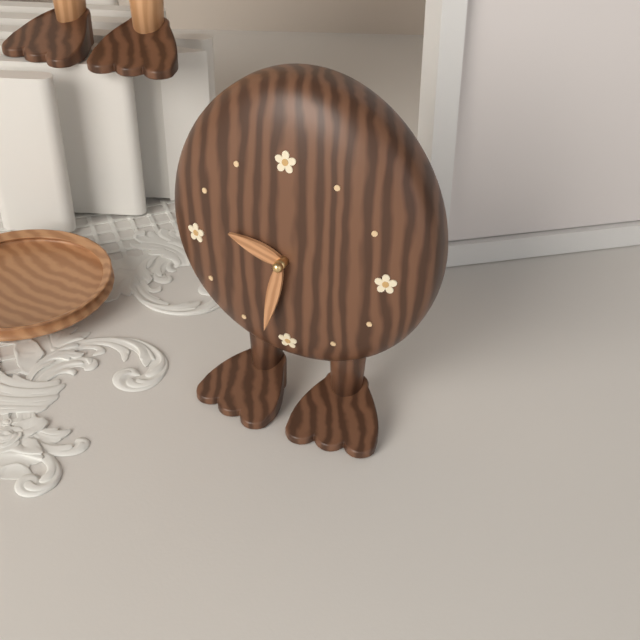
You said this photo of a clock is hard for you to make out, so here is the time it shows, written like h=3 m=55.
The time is h=9 m=32
